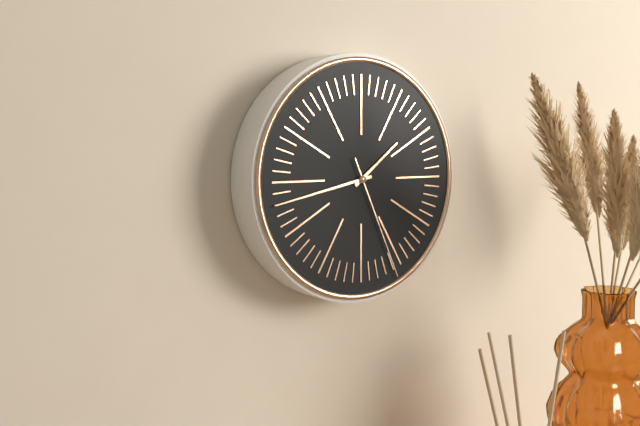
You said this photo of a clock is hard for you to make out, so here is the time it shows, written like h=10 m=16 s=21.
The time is h=1 m=43 s=26
